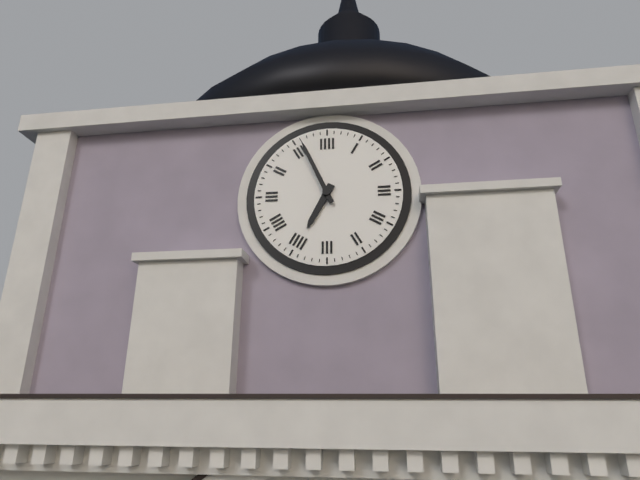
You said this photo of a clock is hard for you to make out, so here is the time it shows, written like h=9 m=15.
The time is h=6 m=56
